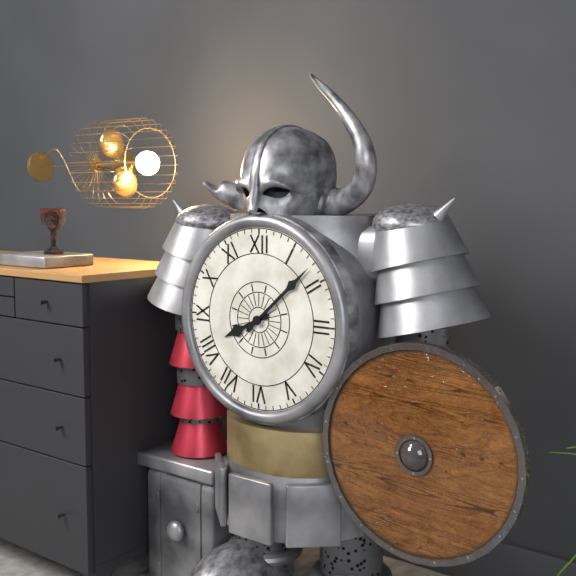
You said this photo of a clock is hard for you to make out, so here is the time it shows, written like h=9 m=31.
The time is h=8 m=8
